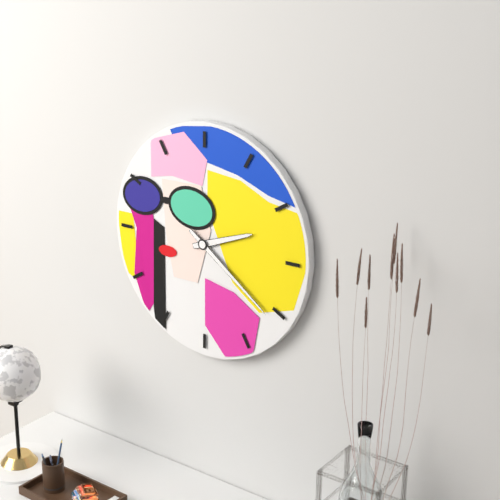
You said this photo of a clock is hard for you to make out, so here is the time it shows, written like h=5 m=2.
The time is h=2 m=21
